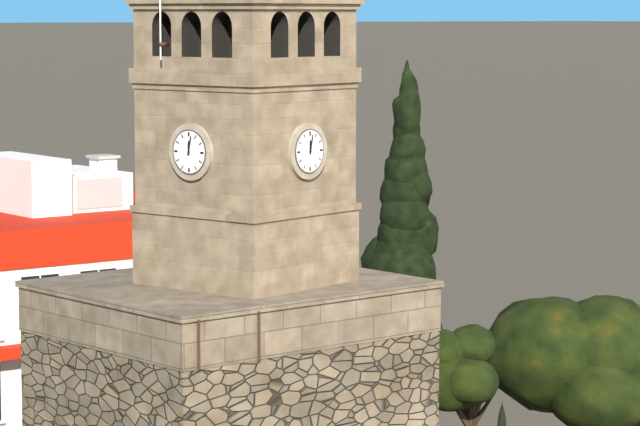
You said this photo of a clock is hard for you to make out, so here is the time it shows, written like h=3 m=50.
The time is h=12 m=2
